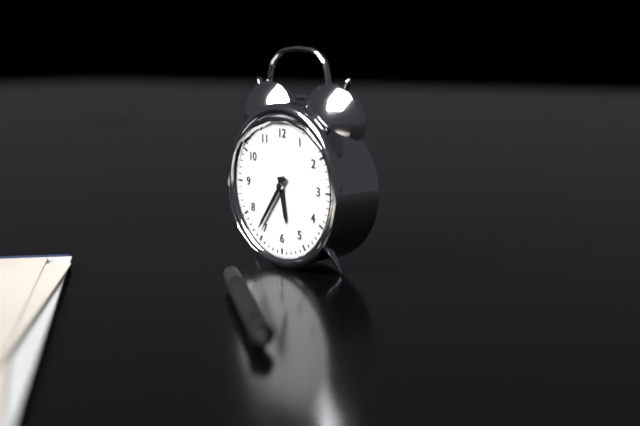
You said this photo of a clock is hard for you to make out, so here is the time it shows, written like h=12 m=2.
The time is h=5 m=36
